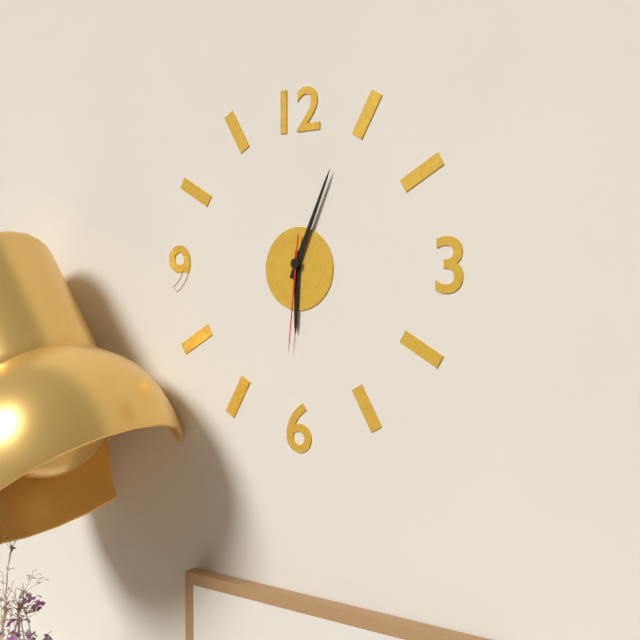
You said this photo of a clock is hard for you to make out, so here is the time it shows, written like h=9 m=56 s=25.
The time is h=6 m=4 s=31
